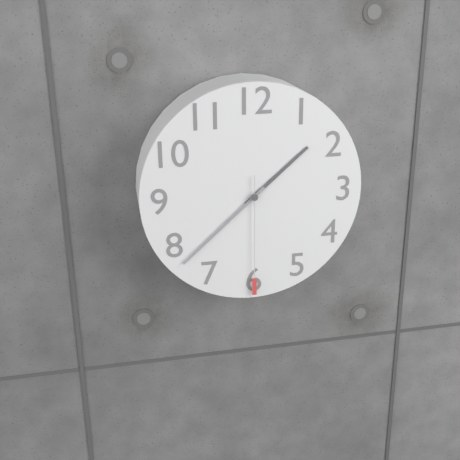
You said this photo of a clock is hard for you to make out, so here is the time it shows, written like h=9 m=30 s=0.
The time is h=1 m=38 s=30
